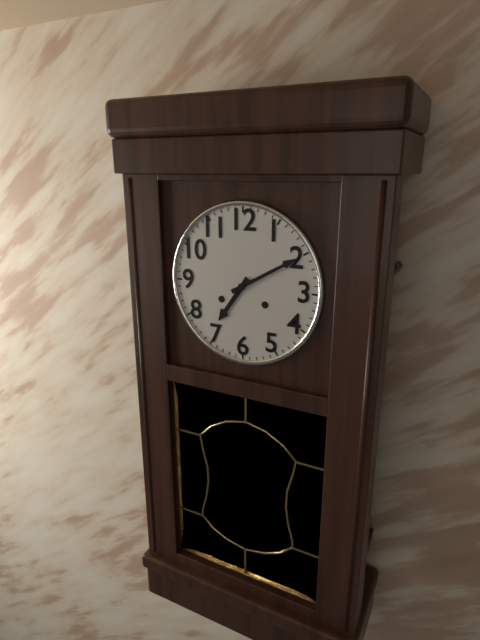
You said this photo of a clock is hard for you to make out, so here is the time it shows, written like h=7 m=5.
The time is h=7 m=10
